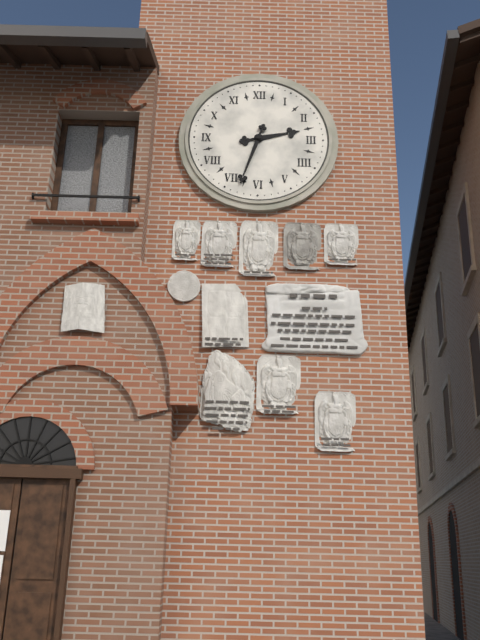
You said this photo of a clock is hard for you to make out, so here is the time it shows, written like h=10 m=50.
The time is h=2 m=33
